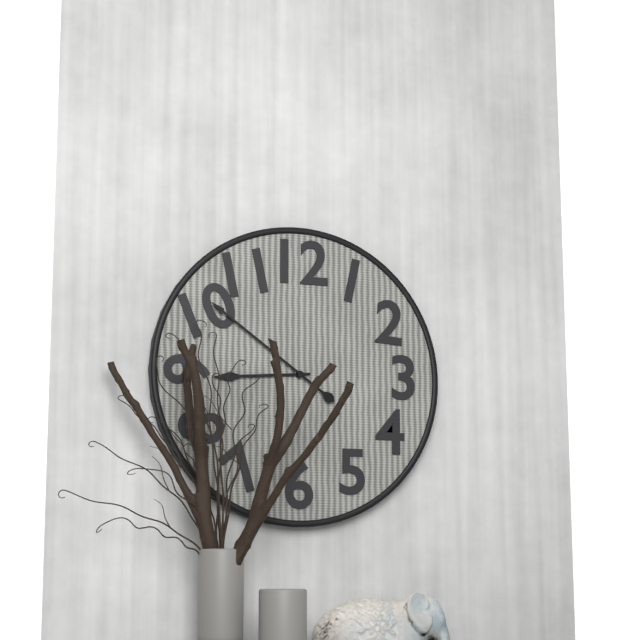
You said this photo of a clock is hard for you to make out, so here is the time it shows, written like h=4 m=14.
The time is h=8 m=51
